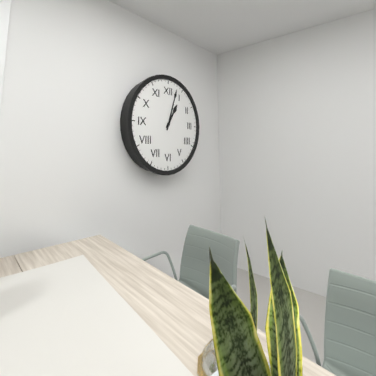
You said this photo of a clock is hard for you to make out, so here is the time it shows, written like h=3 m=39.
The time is h=1 m=3
